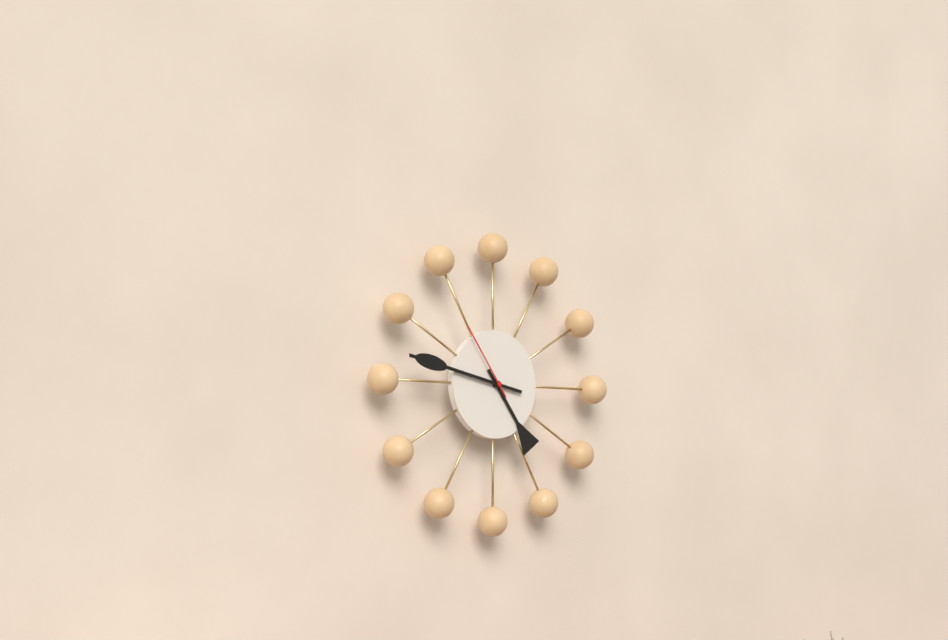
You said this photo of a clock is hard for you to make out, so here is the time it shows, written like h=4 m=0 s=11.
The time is h=4 m=47 s=54
